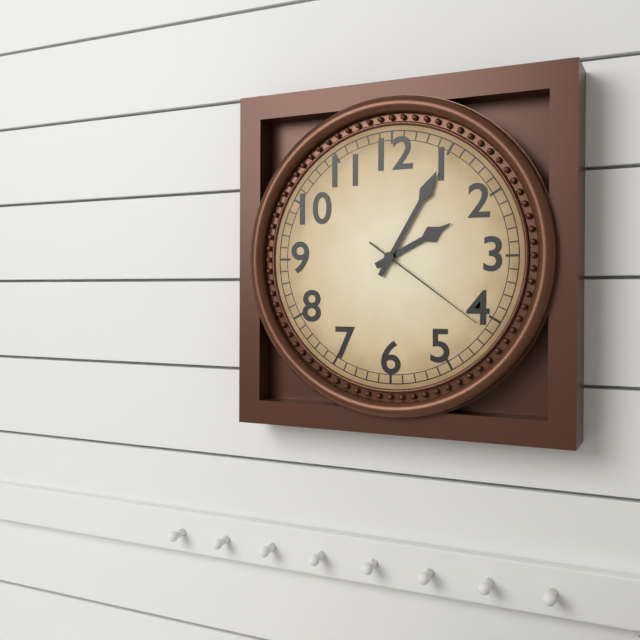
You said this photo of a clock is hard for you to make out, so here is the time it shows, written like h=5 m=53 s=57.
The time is h=2 m=5 s=21
